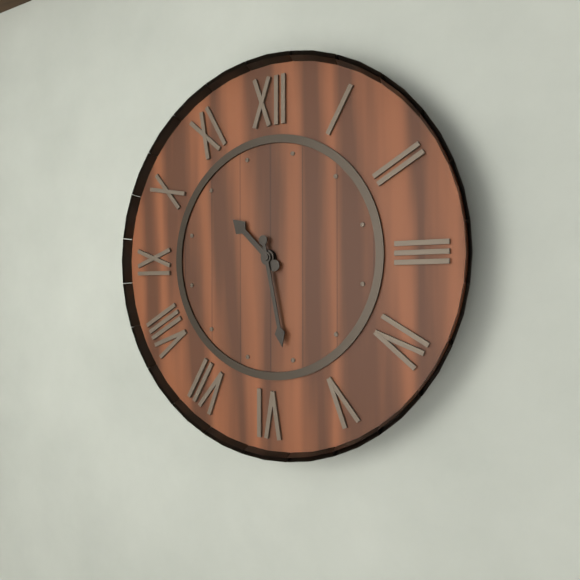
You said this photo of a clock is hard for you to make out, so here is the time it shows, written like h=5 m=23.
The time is h=10 m=28
